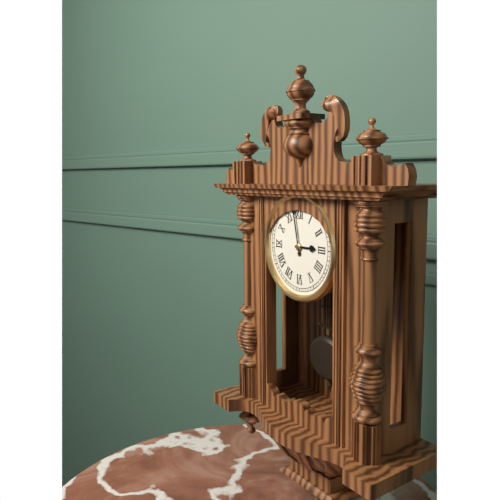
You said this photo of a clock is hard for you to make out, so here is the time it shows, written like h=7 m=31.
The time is h=2 m=58
